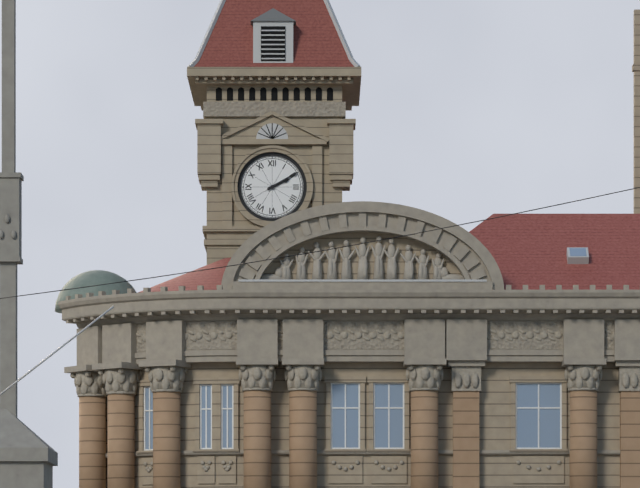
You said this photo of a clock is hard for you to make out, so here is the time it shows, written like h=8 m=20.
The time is h=2 m=10
